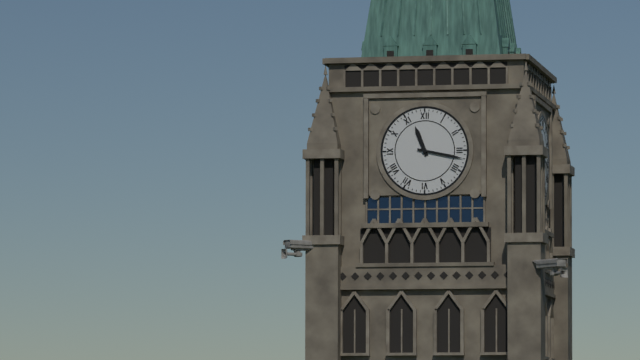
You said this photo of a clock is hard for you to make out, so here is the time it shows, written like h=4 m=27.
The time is h=11 m=17
